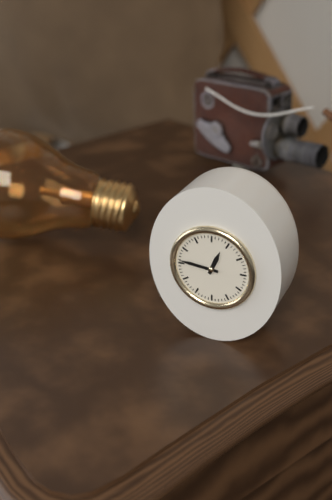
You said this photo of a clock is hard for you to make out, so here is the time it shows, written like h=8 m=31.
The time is h=12 m=46
